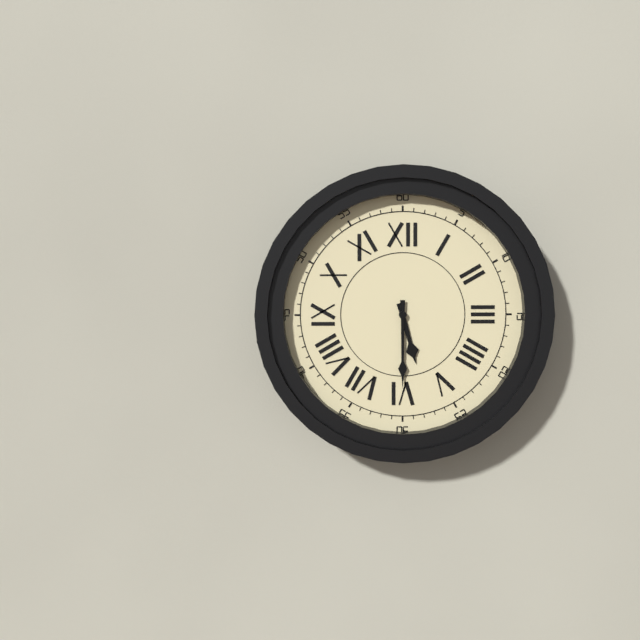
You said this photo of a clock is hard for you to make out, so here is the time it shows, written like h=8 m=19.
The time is h=5 m=30
